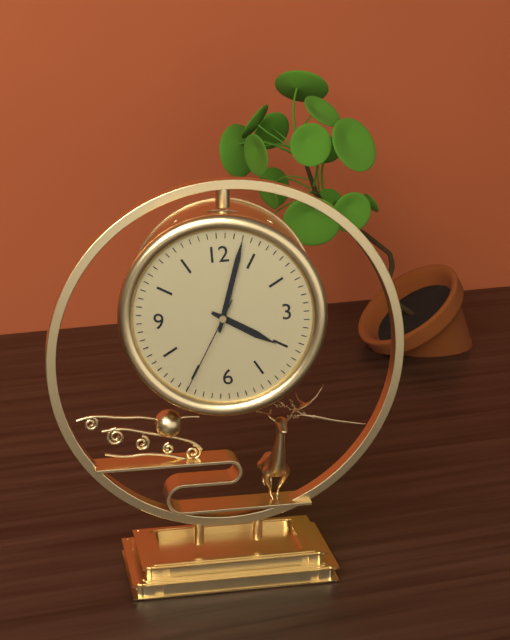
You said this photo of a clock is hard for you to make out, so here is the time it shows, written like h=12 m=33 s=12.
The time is h=4 m=3 s=35
